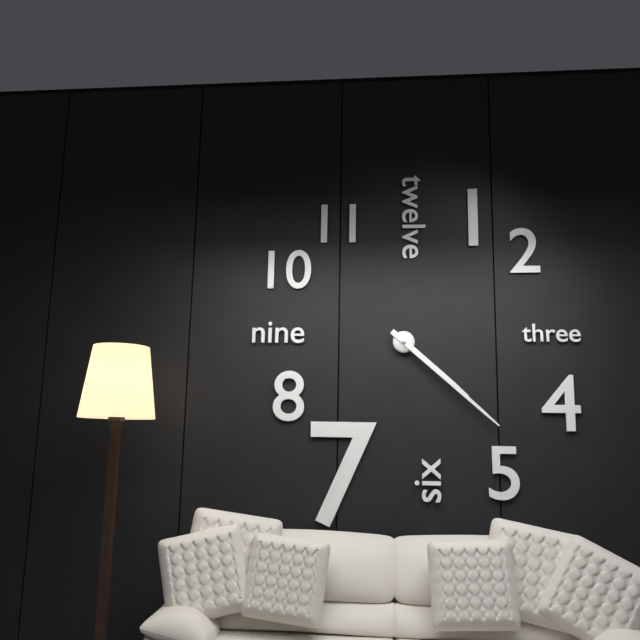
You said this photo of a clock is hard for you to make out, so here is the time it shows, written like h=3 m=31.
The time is h=4 m=22
